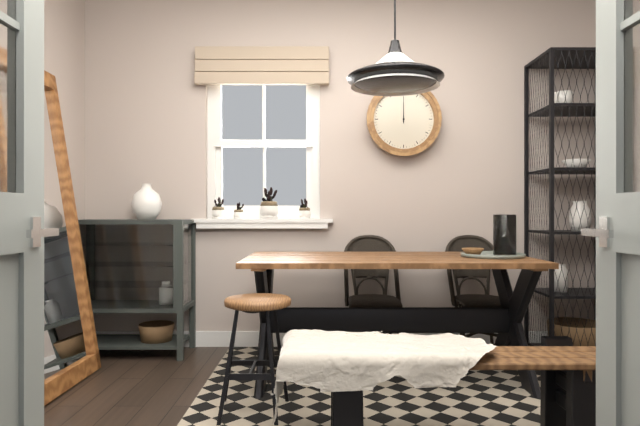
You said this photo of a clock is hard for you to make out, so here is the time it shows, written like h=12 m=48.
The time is h=12 m=0
